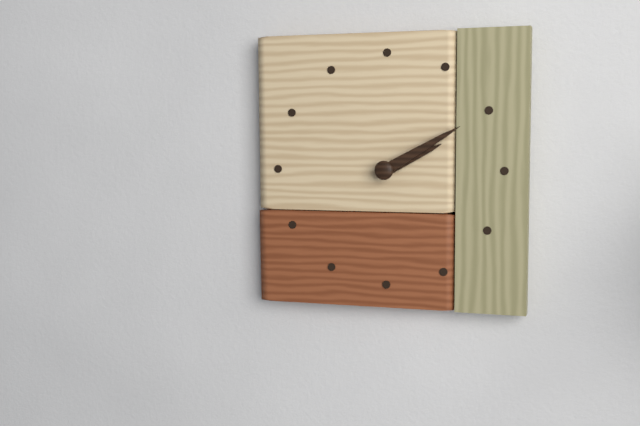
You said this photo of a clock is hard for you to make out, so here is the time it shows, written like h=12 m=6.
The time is h=2 m=10
